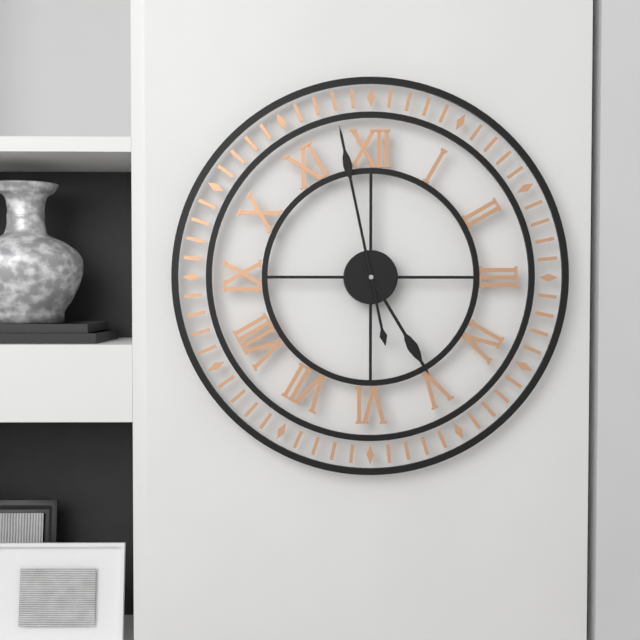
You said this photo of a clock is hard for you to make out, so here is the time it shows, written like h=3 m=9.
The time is h=4 m=58
